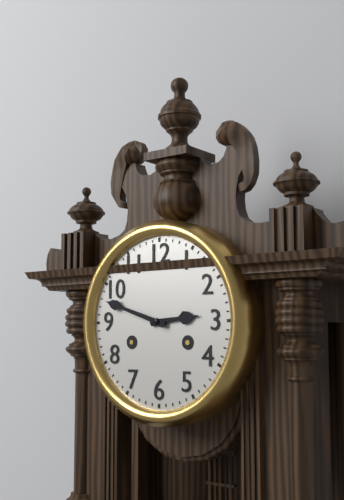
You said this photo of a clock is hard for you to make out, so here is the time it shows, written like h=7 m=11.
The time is h=2 m=48
